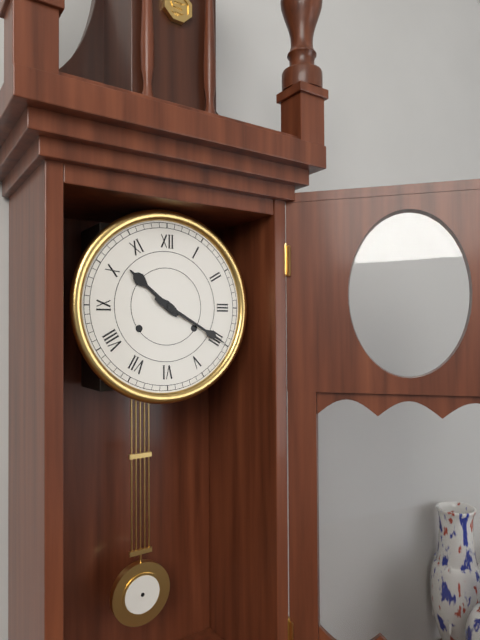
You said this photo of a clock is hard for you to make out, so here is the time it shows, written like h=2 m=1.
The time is h=10 m=20
